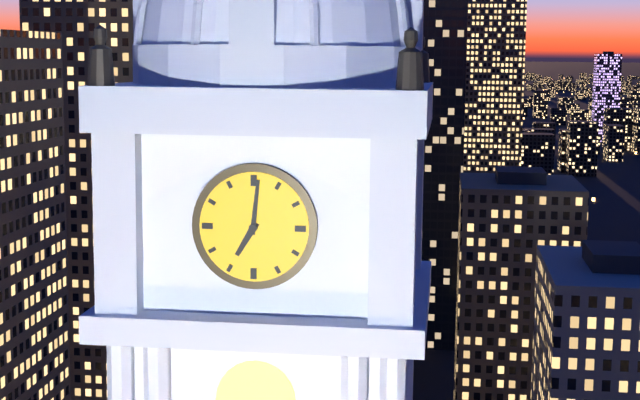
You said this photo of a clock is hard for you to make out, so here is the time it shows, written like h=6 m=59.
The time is h=7 m=1
